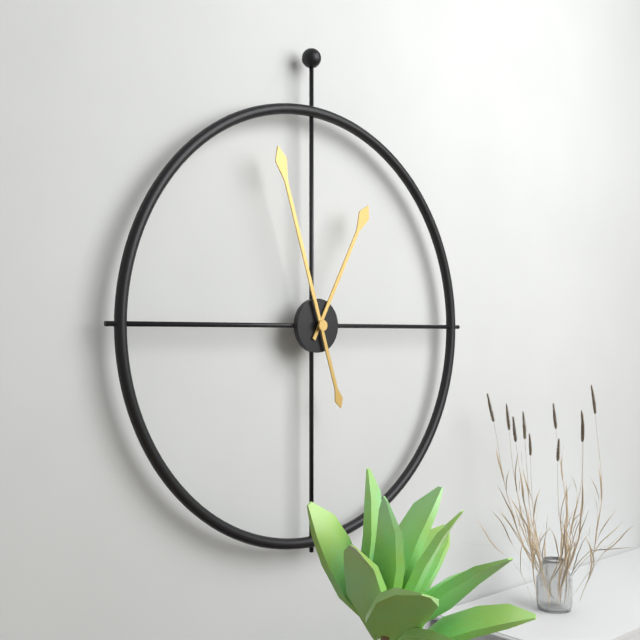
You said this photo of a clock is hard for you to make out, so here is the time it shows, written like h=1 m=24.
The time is h=12 m=57
